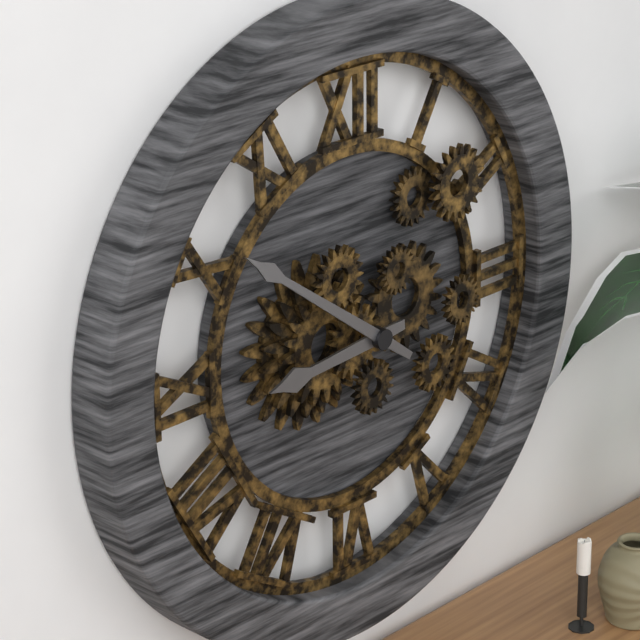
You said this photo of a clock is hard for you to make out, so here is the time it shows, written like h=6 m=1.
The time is h=8 m=51
